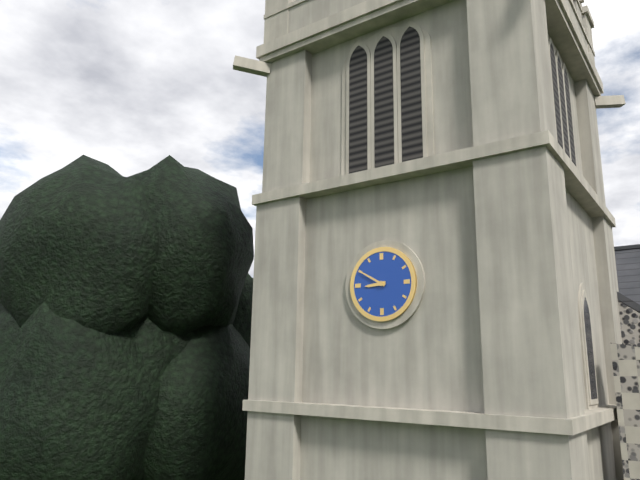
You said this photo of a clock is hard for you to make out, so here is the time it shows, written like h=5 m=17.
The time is h=8 m=50
